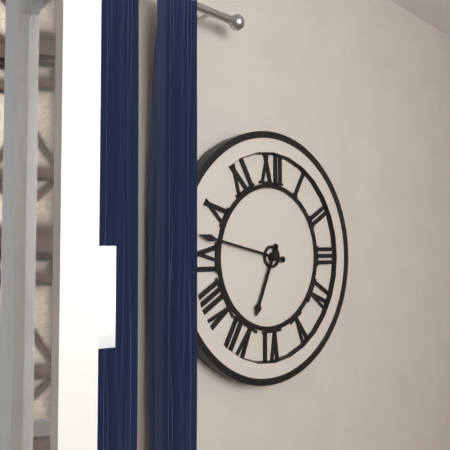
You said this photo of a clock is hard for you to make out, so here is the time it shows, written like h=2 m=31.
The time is h=6 m=47
